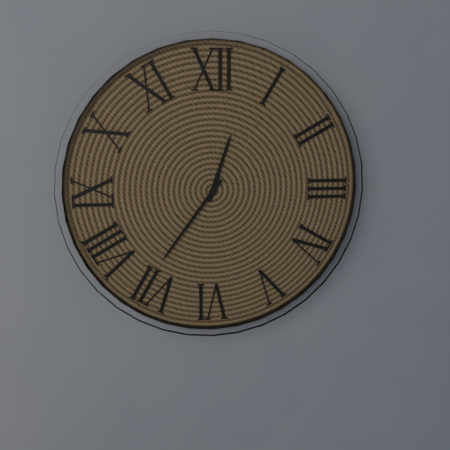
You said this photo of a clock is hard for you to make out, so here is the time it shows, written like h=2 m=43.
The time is h=12 m=36
